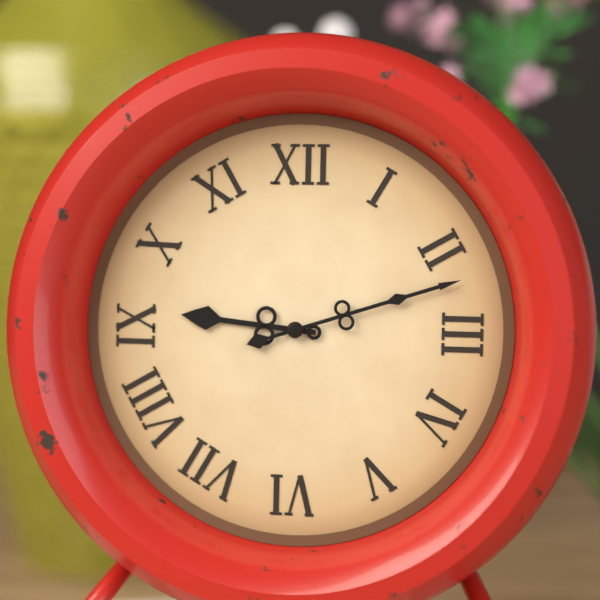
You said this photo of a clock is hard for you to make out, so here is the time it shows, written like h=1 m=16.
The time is h=9 m=12
